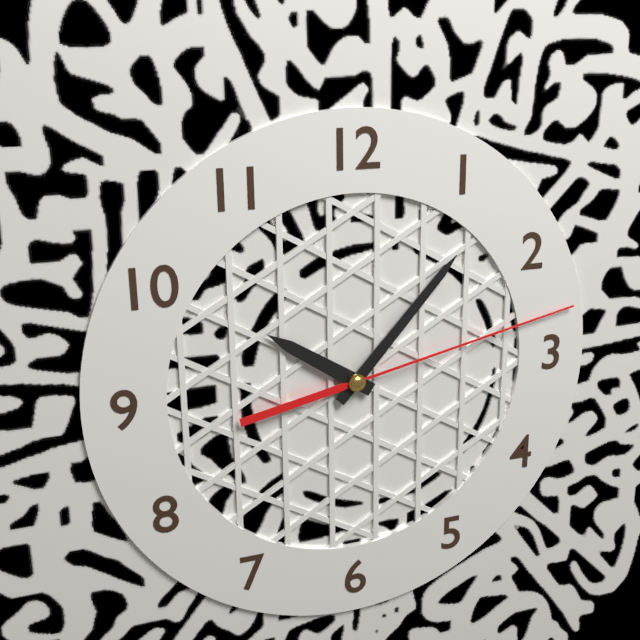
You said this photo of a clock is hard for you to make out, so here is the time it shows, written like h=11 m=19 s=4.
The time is h=10 m=7 s=13
